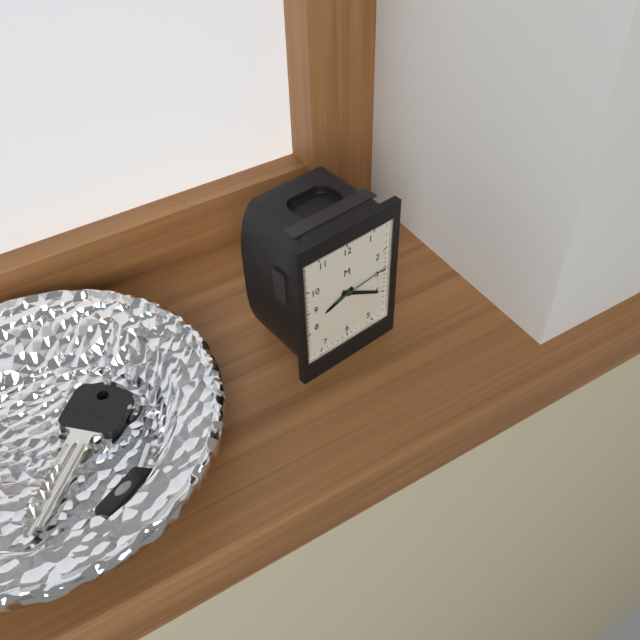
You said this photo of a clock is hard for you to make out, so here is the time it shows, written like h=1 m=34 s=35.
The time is h=8 m=20 s=14
